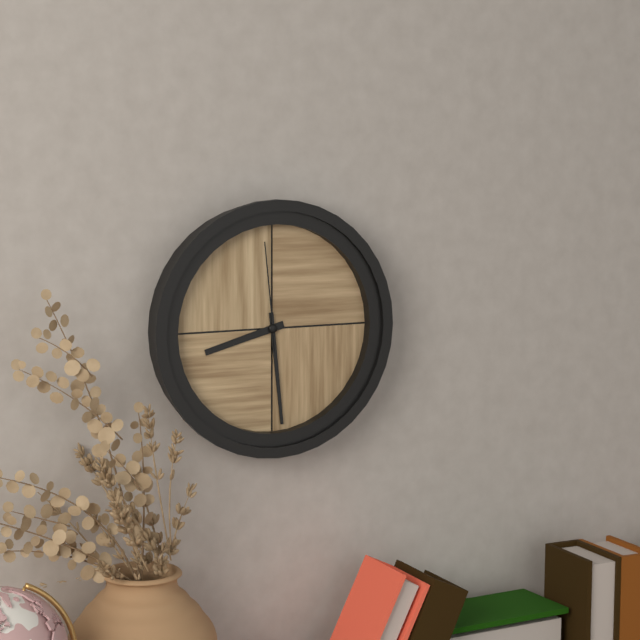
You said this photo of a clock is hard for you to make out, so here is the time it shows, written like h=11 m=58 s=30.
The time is h=8 m=29 s=59
